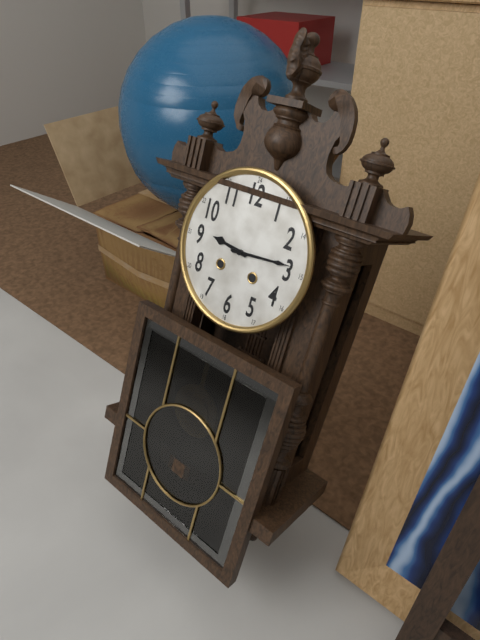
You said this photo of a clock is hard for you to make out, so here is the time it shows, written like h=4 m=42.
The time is h=9 m=14
